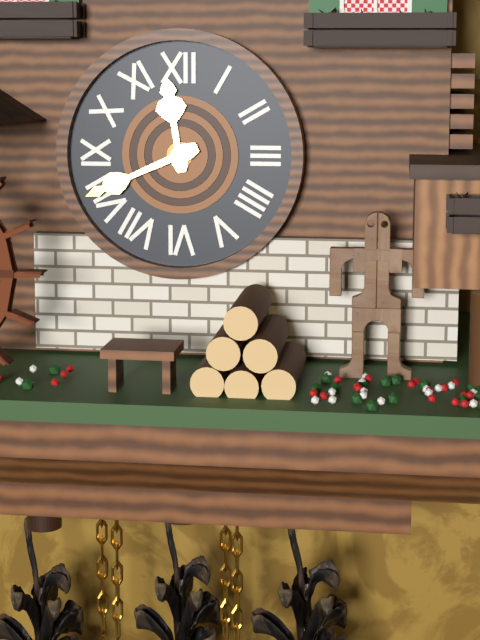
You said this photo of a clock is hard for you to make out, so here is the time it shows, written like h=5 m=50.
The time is h=11 m=41
